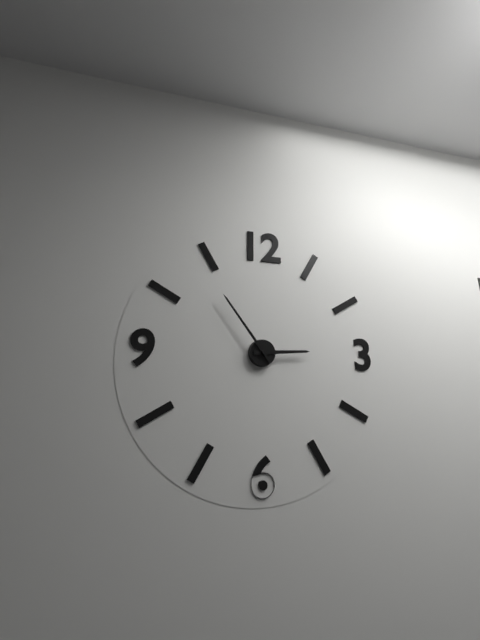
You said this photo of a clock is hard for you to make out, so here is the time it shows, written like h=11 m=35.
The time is h=2 m=54
